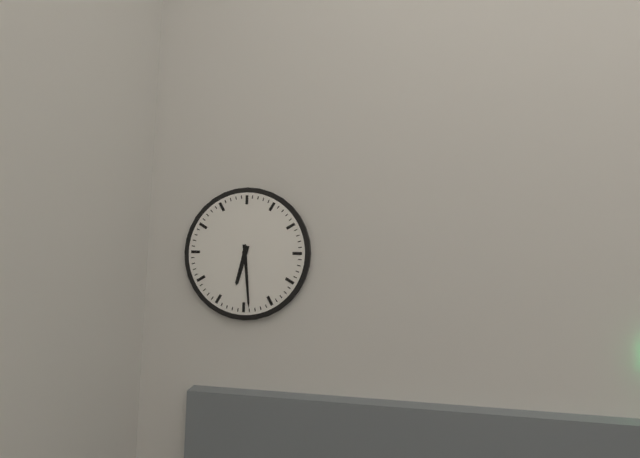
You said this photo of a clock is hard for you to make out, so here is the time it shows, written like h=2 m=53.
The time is h=6 m=29
